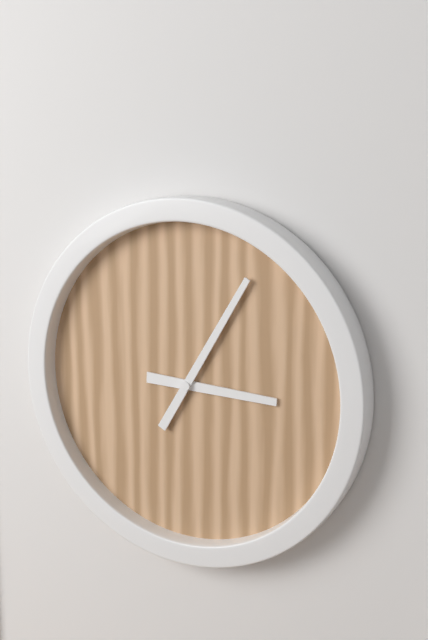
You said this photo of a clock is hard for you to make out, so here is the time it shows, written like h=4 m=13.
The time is h=3 m=5
